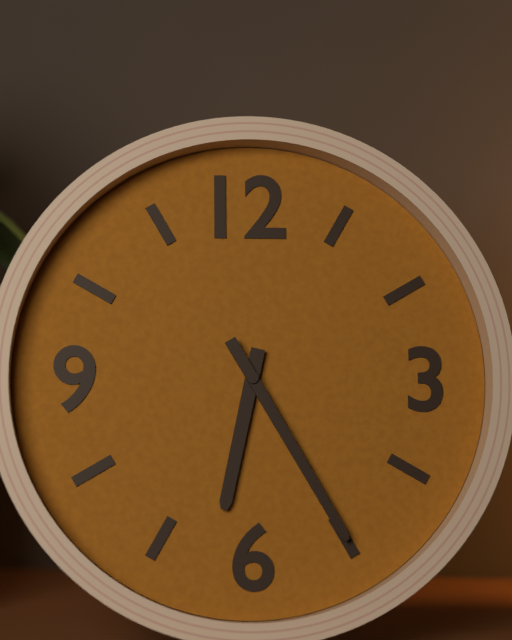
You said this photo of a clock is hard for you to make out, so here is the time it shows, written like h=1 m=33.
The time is h=6 m=25
